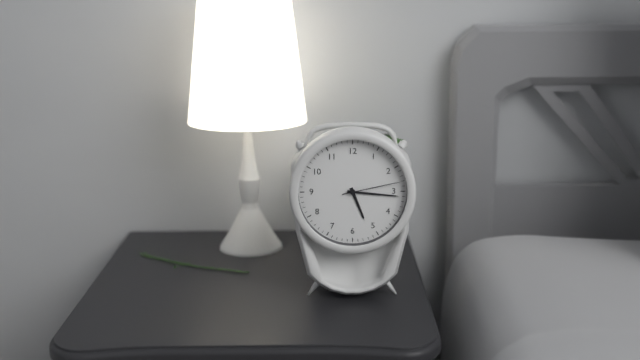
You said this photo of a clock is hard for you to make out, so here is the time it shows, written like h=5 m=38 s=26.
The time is h=5 m=16 s=13
